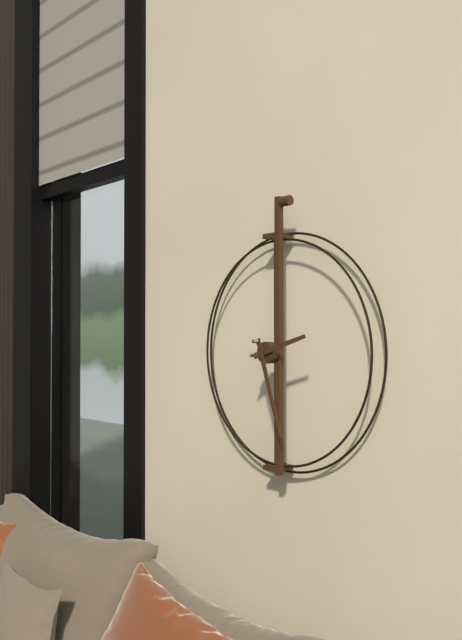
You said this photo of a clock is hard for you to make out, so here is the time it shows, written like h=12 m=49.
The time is h=2 m=27
